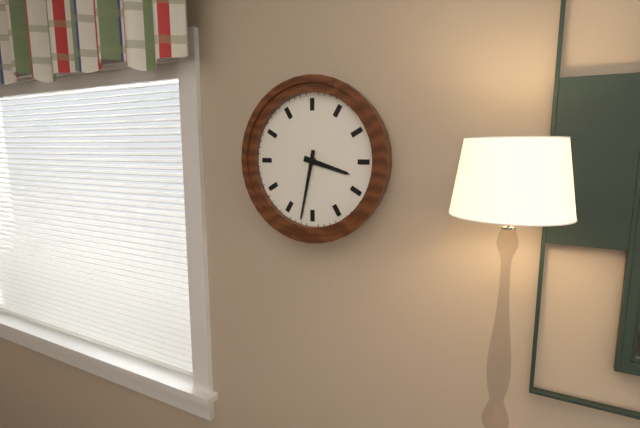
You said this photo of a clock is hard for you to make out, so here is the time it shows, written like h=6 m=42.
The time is h=3 m=32
